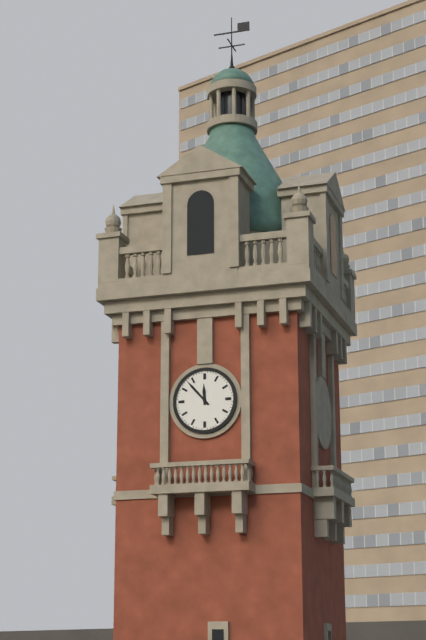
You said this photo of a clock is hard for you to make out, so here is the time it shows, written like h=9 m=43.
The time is h=11 m=53
